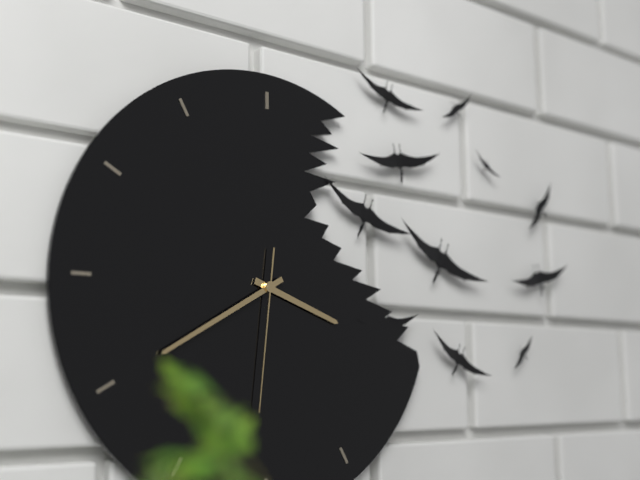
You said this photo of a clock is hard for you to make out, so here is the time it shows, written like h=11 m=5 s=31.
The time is h=3 m=40 s=31
